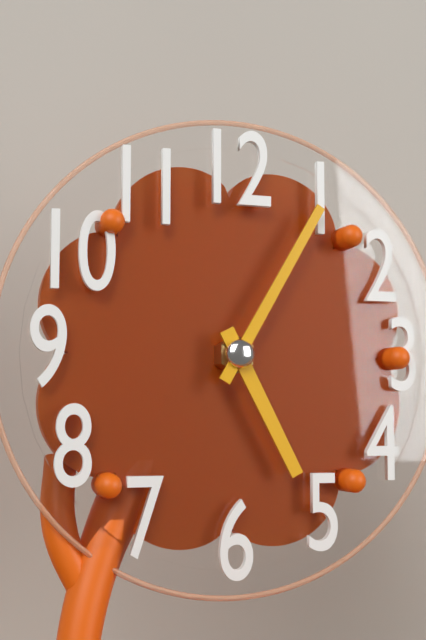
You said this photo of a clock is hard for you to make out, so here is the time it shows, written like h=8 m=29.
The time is h=5 m=5
